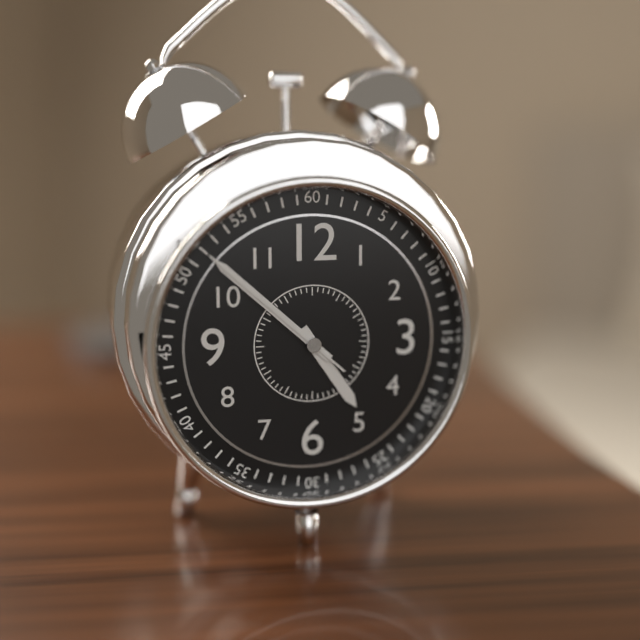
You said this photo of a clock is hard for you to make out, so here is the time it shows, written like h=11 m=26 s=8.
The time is h=4 m=52 s=52
